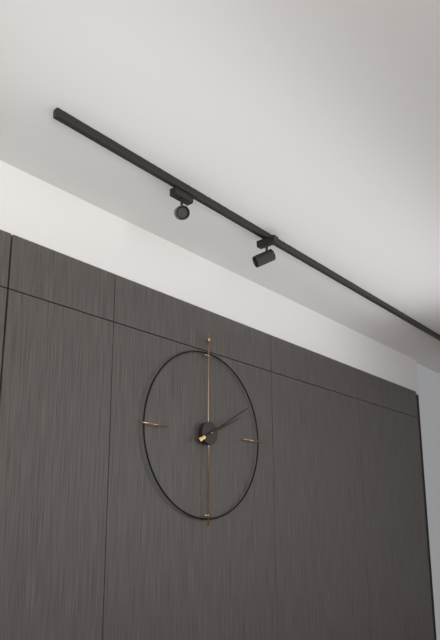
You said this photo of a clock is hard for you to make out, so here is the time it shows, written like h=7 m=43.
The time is h=2 m=10
